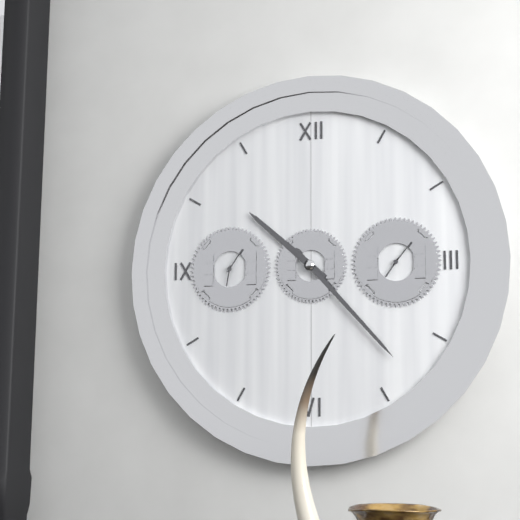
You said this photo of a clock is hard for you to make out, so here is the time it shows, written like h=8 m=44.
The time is h=10 m=23
